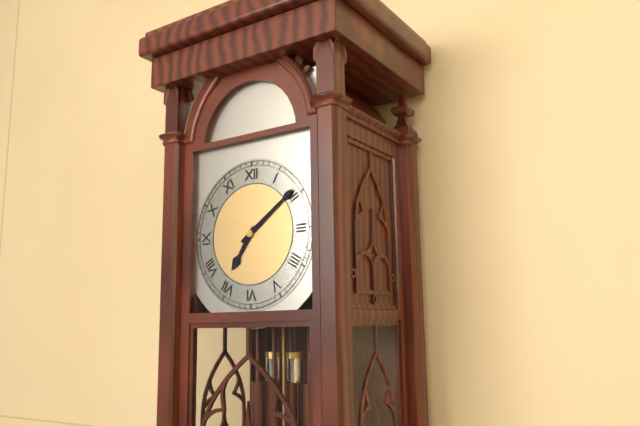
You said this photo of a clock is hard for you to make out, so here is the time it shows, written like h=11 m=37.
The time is h=7 m=9
